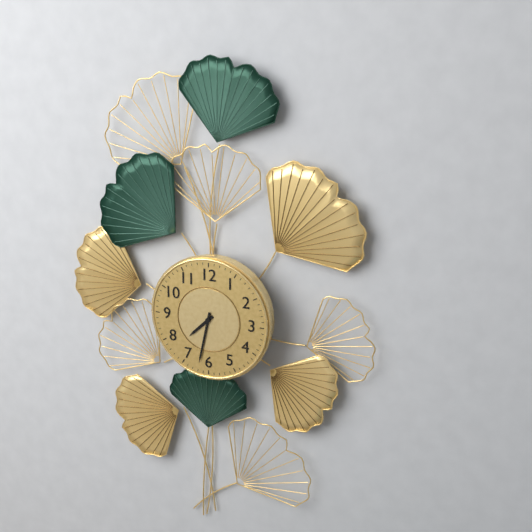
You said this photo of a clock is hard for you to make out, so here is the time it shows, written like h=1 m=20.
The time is h=7 m=32
